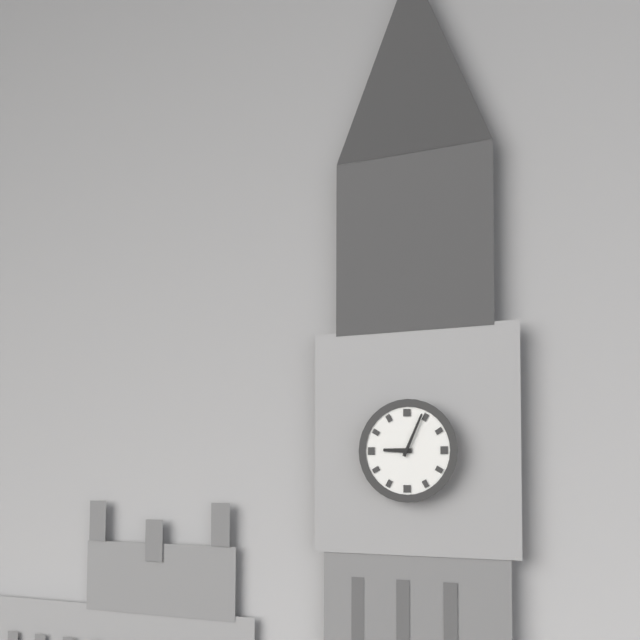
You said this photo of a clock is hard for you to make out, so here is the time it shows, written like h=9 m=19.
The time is h=9 m=4
